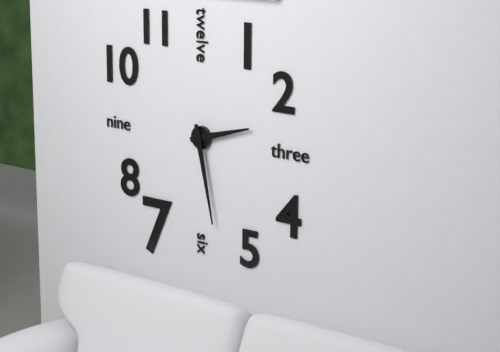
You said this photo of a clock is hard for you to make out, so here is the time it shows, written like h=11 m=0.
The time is h=2 m=28
